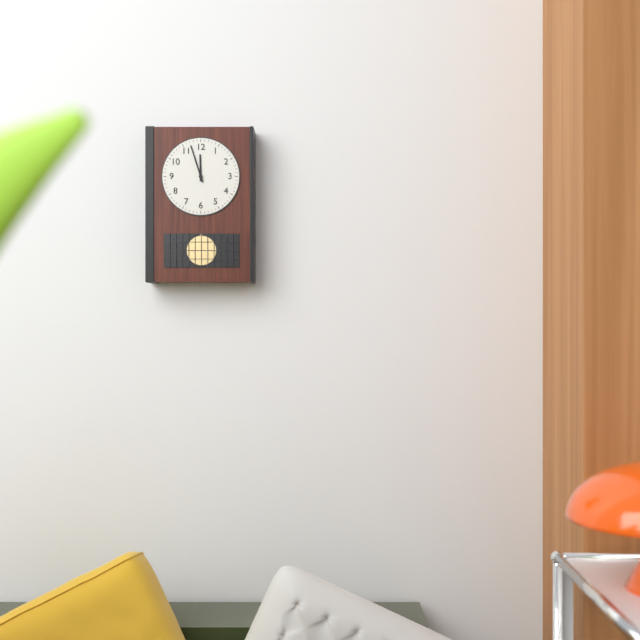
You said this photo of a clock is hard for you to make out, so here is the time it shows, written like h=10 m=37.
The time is h=11 m=57
